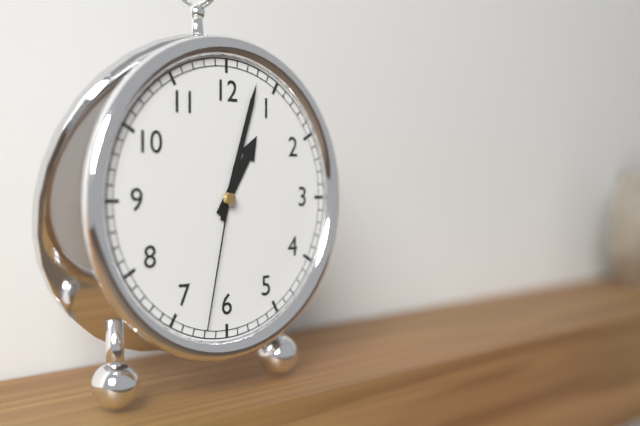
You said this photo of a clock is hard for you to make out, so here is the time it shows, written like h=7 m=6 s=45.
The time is h=1 m=3 s=32
